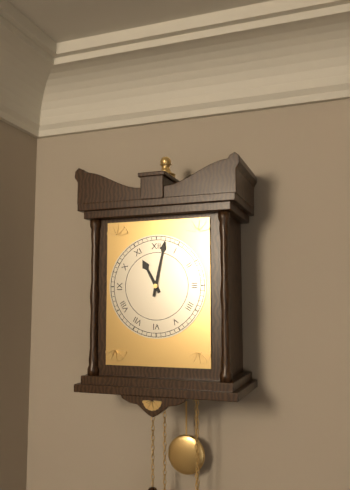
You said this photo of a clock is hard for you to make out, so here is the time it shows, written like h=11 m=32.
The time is h=11 m=2
